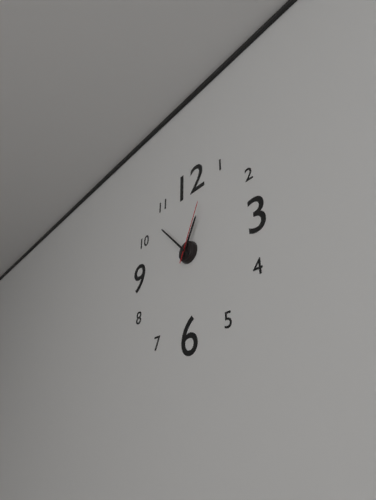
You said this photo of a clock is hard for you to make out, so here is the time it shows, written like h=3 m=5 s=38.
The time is h=12 m=53 s=4
